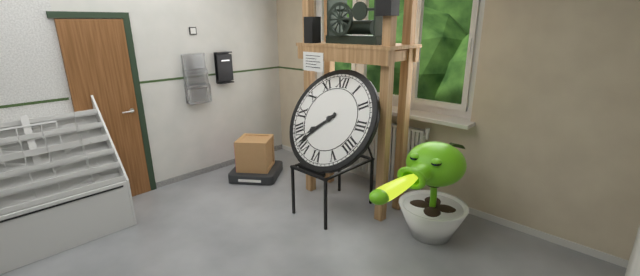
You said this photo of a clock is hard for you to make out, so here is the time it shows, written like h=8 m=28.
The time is h=7 m=37
